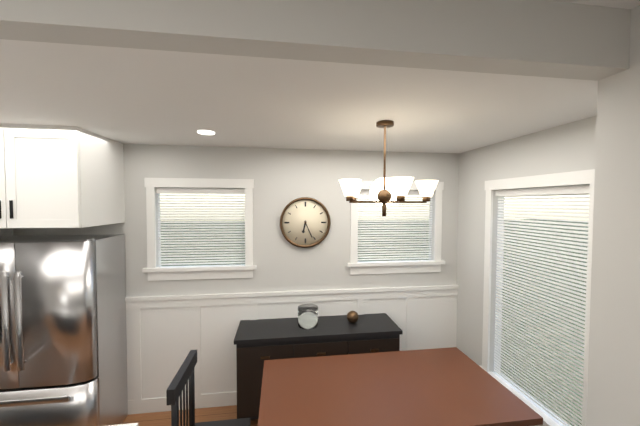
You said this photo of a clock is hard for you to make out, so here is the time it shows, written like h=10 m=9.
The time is h=6 m=26
